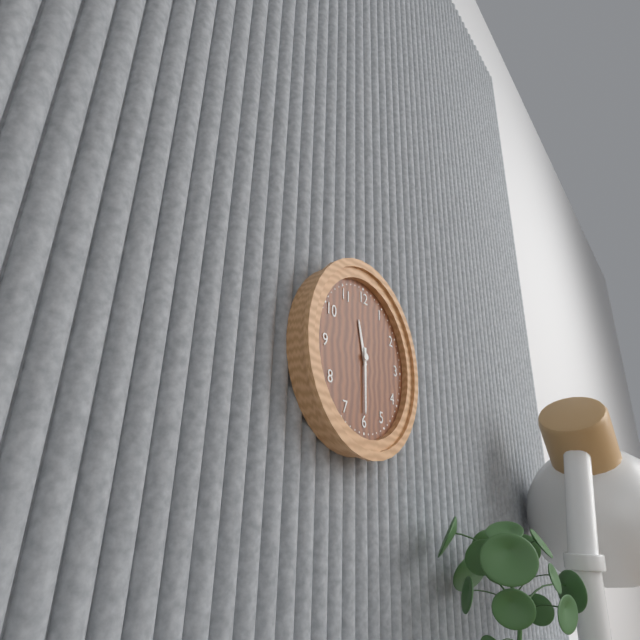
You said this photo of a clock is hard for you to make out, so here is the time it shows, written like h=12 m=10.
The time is h=11 m=30
